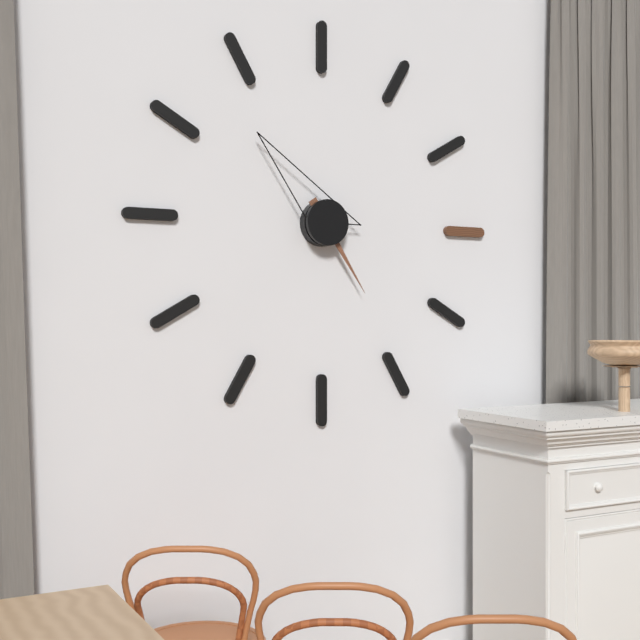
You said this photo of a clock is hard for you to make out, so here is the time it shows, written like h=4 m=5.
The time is h=4 m=53
